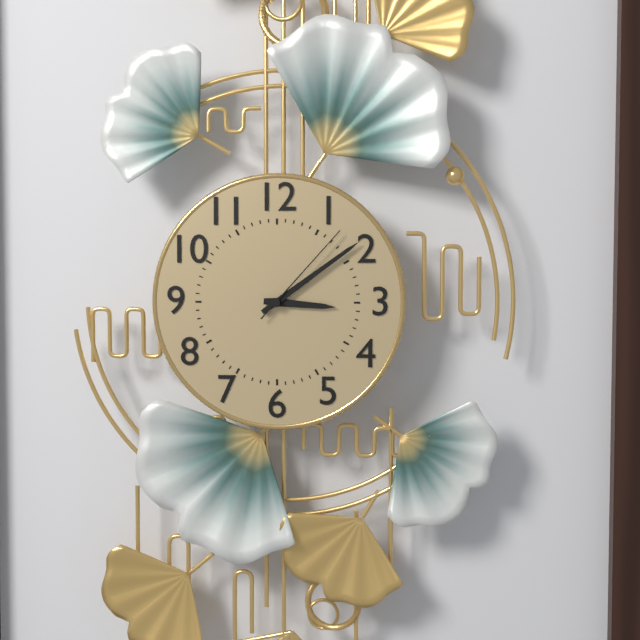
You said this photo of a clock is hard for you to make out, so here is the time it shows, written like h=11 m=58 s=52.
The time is h=3 m=9 s=7
